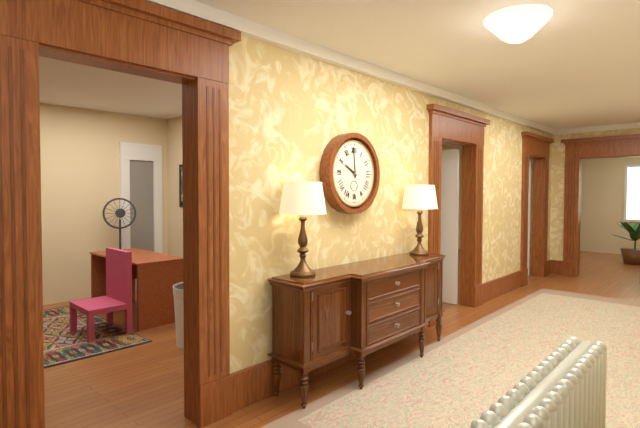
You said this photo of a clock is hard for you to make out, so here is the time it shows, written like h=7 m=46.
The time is h=9 m=59
